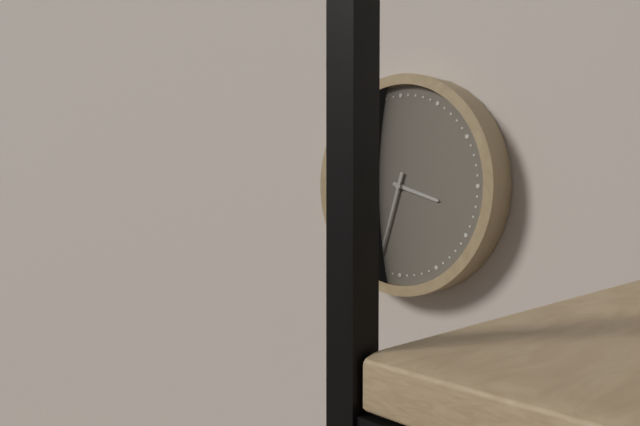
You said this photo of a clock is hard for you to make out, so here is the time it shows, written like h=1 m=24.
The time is h=3 m=33
